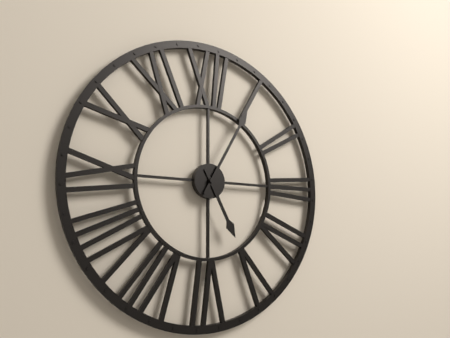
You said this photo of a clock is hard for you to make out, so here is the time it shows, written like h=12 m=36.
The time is h=5 m=5
